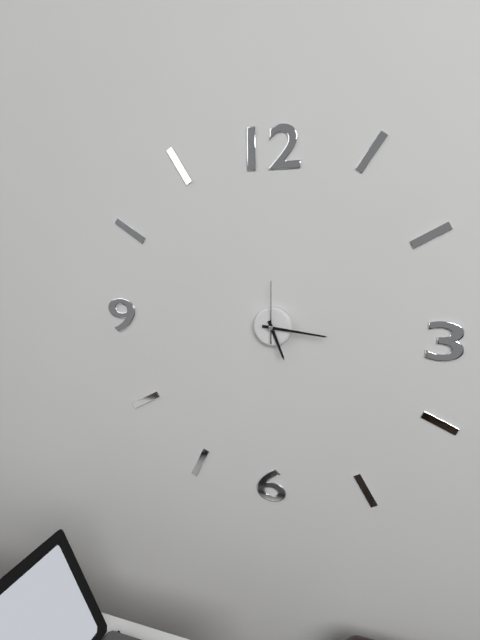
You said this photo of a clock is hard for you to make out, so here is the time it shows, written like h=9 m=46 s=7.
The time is h=5 m=16 s=0
